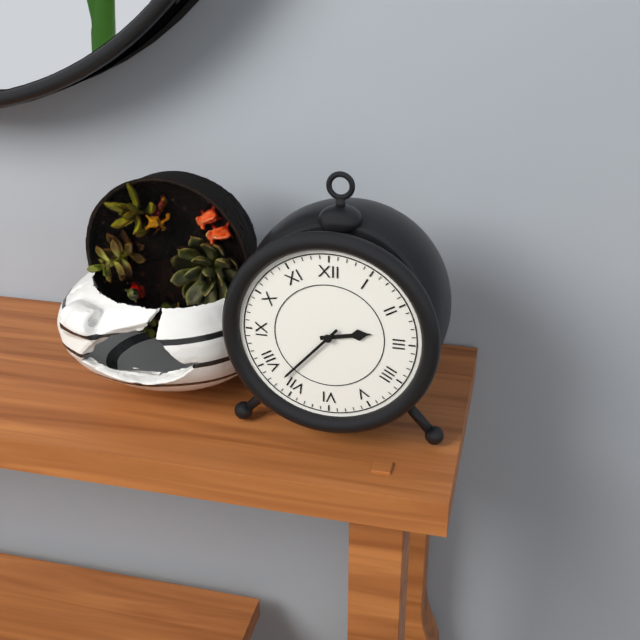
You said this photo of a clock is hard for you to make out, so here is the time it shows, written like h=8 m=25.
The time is h=2 m=37
